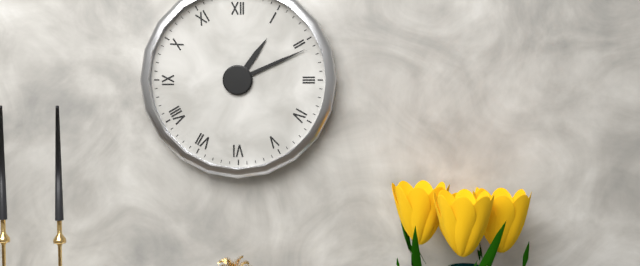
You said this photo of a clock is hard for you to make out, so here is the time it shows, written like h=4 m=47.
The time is h=1 m=11
